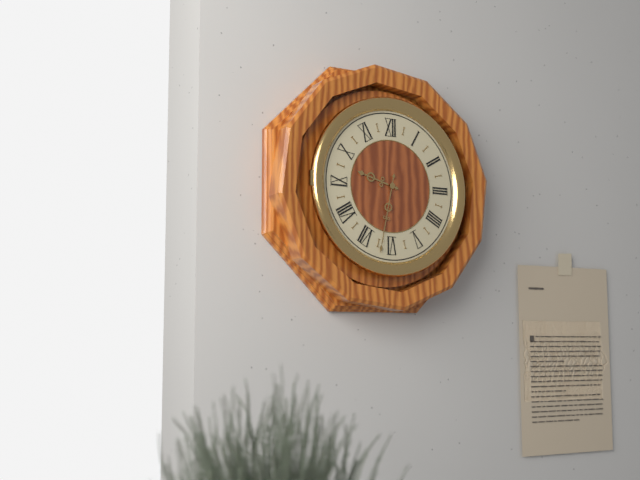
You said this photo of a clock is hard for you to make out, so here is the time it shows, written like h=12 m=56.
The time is h=9 m=32
